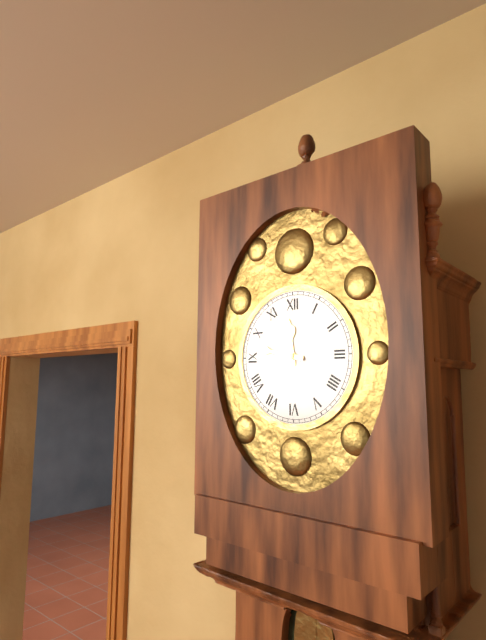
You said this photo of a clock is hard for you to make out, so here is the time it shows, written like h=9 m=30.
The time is h=11 m=47
